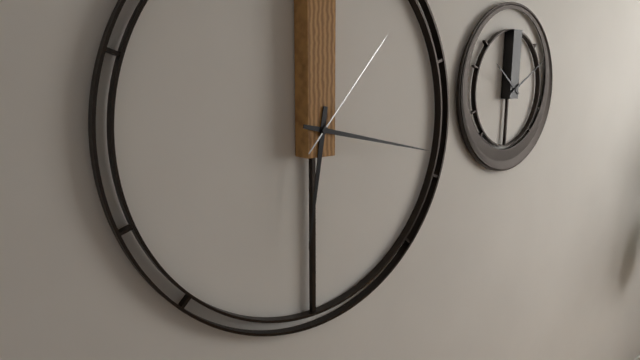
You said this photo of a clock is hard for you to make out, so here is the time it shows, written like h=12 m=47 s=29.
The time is h=6 m=17 s=7
